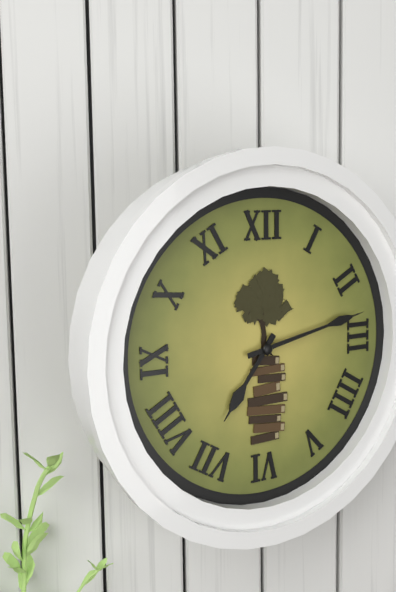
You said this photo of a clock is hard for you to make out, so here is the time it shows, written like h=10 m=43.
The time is h=7 m=13
